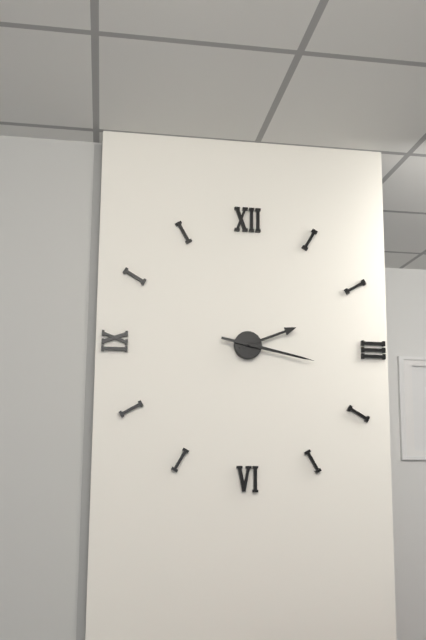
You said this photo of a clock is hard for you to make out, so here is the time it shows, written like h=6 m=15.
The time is h=2 m=17
